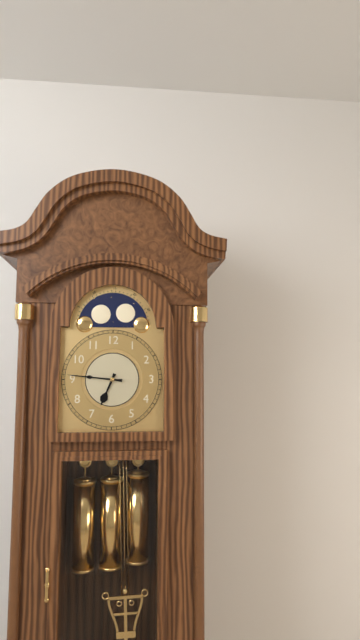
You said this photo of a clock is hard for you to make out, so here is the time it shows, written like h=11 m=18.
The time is h=6 m=46
